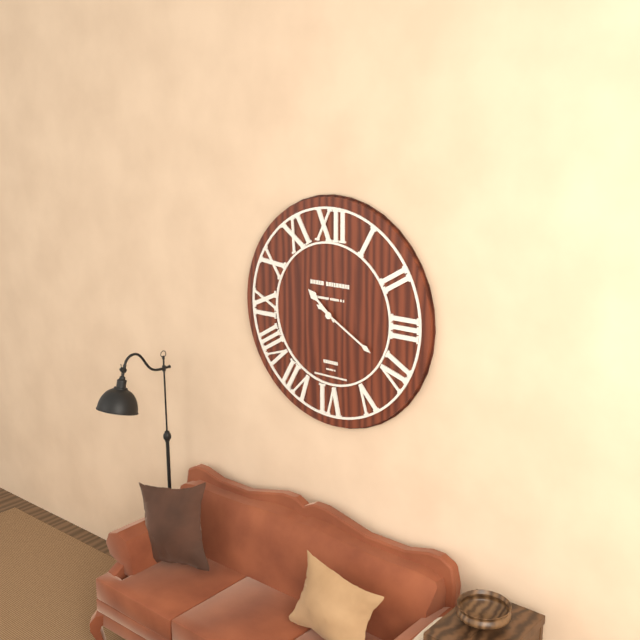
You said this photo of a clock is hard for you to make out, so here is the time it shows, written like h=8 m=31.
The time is h=10 m=20
